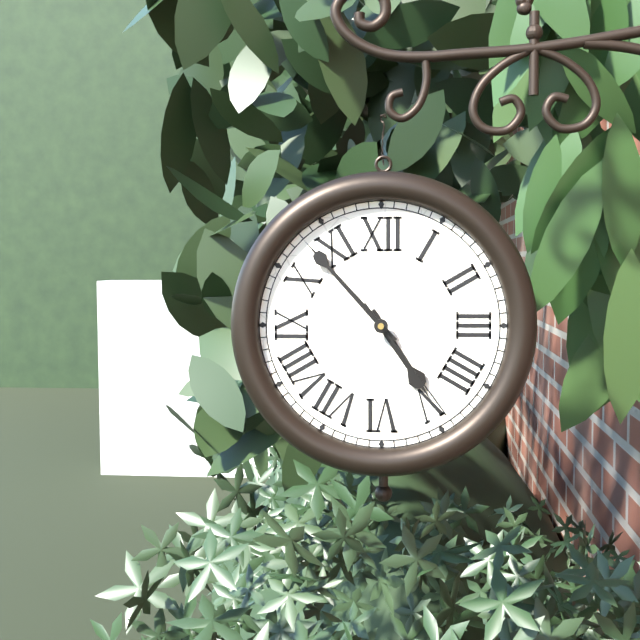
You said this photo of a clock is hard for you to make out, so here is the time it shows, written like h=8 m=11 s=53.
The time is h=4 m=53 s=24
